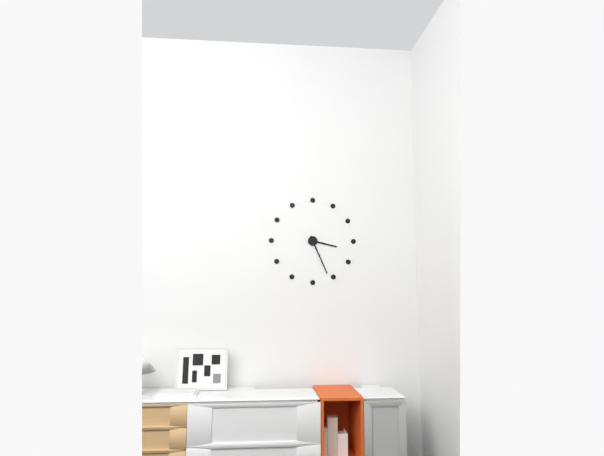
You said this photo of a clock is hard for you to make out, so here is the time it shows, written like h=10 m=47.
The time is h=3 m=26
